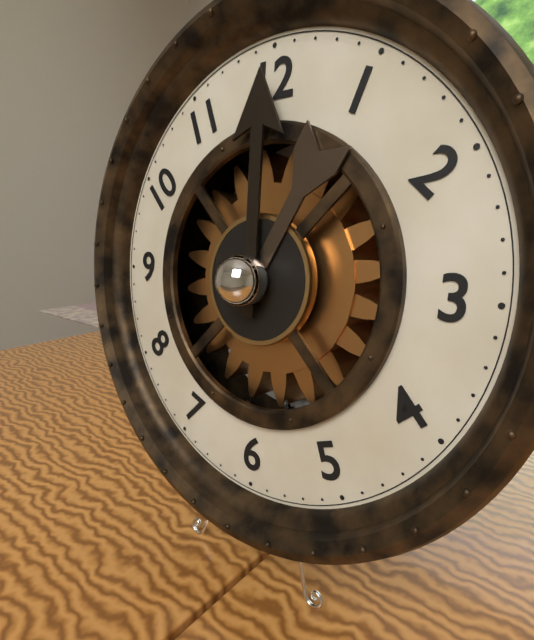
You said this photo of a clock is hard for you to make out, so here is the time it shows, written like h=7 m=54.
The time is h=1 m=0
